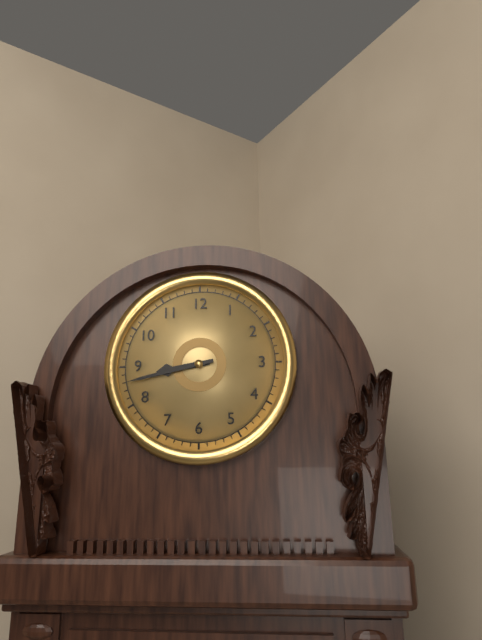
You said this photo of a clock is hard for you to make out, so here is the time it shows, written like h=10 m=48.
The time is h=8 m=43
